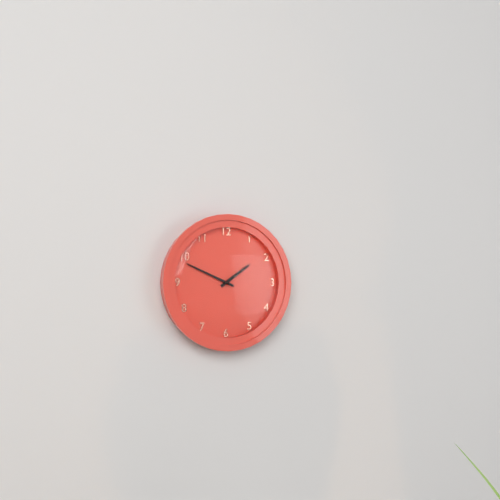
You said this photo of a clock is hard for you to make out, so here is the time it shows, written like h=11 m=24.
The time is h=1 m=49
